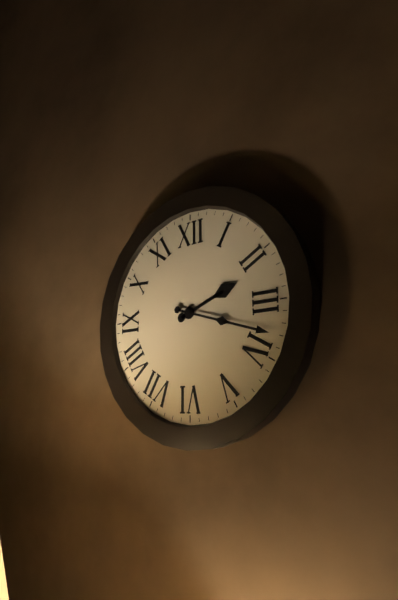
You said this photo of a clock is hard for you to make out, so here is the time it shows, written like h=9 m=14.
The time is h=2 m=18
